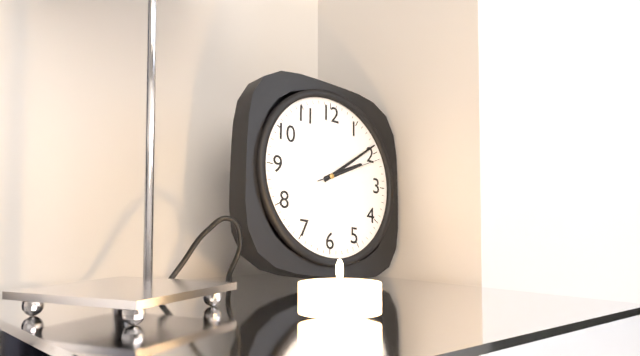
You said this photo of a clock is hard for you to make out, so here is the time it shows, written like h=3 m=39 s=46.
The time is h=2 m=9 s=11
